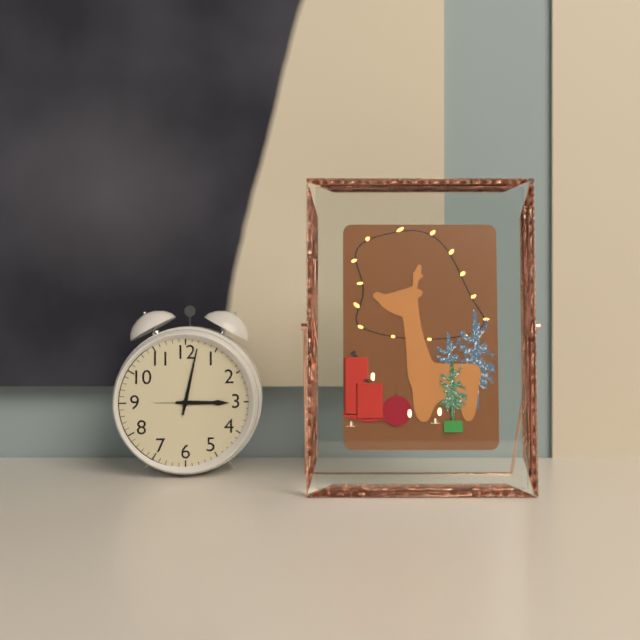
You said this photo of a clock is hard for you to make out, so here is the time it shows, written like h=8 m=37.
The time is h=3 m=2
